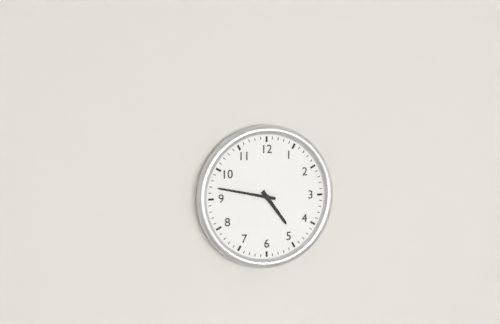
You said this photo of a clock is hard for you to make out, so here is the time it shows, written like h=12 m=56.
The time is h=4 m=47
